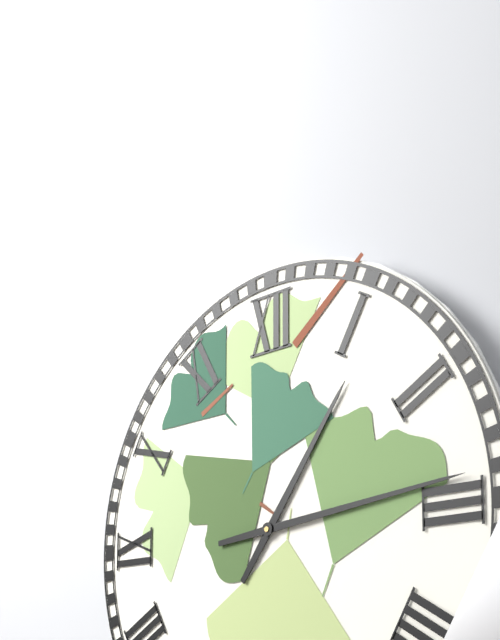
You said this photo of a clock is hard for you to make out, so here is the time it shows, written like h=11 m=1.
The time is h=1 m=14
